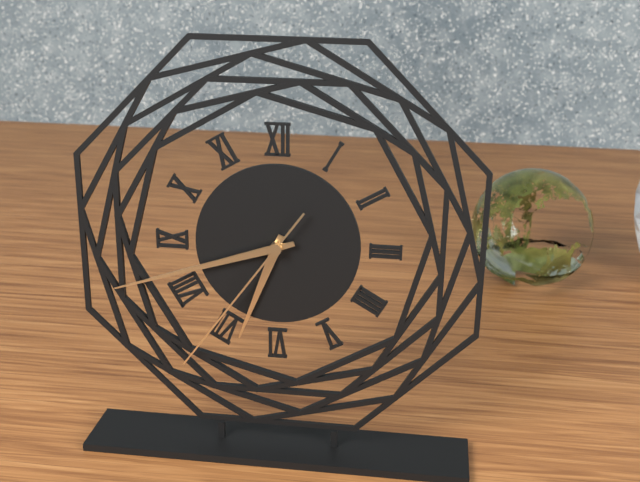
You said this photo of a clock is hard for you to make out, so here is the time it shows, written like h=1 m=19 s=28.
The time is h=6 m=42 s=36
